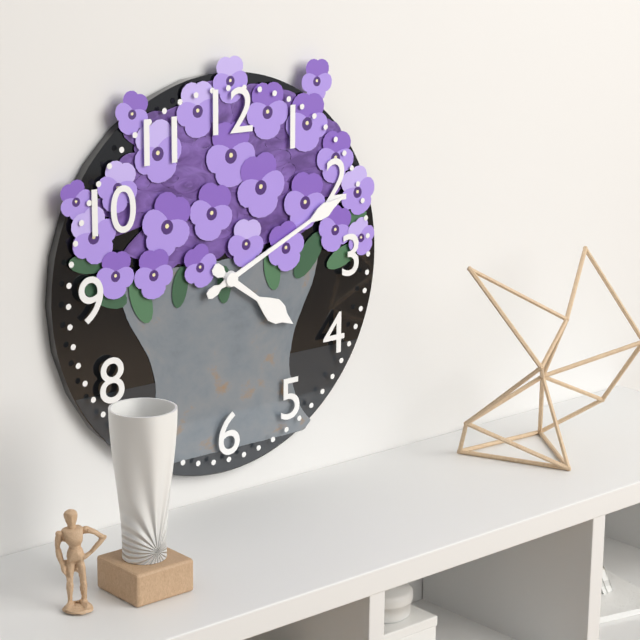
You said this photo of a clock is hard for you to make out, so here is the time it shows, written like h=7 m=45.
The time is h=4 m=11
